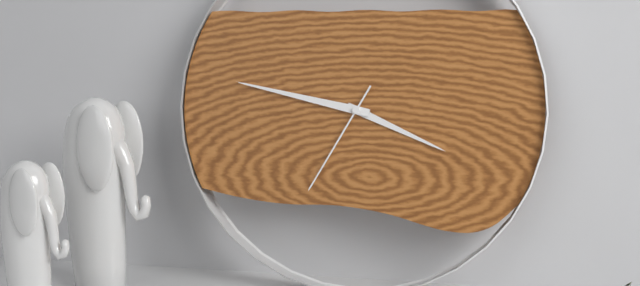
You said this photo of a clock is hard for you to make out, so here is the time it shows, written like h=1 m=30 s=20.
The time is h=3 m=47 s=35
